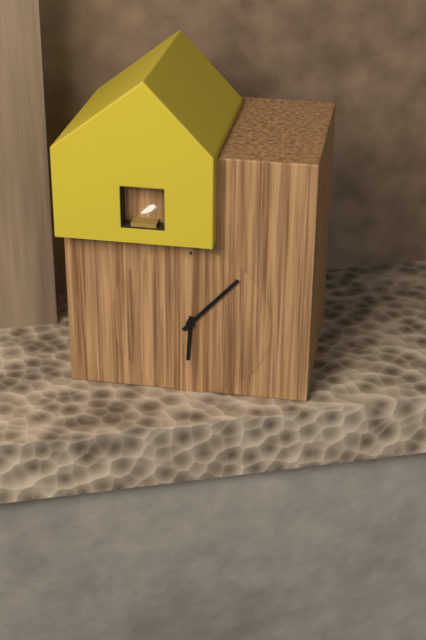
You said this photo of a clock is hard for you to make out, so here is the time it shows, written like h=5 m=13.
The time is h=6 m=7
